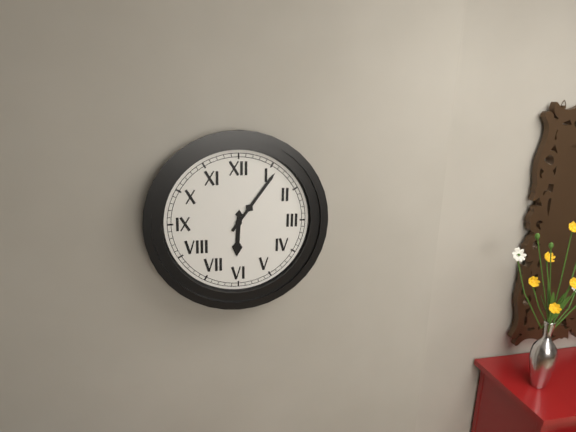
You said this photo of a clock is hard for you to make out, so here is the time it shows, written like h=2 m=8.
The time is h=6 m=6
